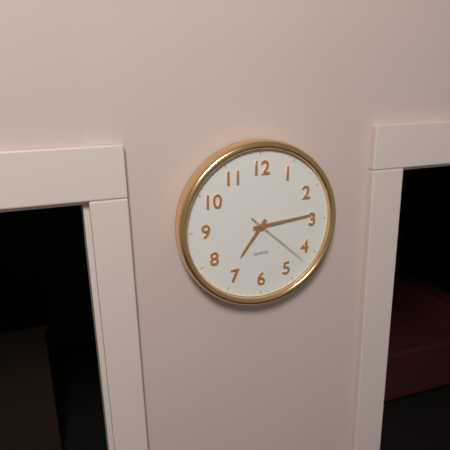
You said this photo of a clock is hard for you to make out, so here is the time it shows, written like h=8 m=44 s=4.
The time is h=7 m=14 s=22
